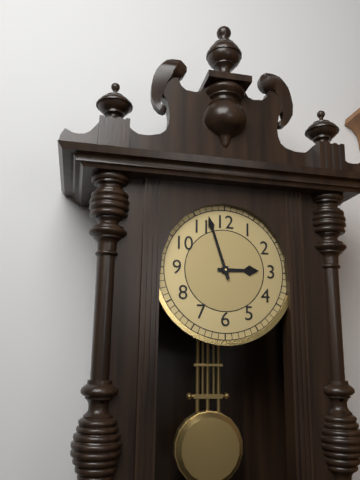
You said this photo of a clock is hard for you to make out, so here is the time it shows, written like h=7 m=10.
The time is h=2 m=57
